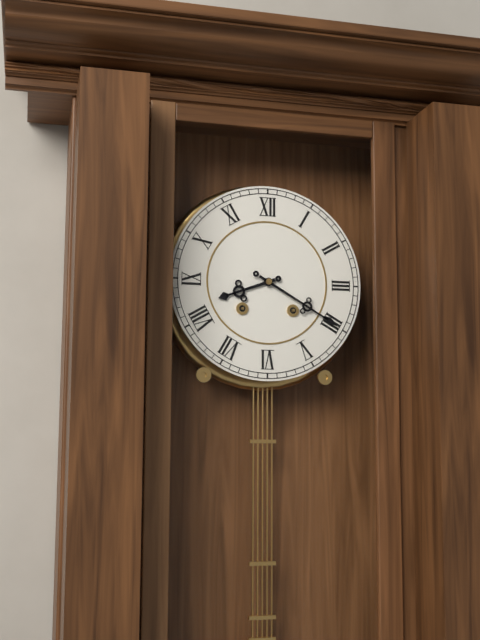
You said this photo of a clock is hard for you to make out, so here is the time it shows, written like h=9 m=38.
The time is h=8 m=20
